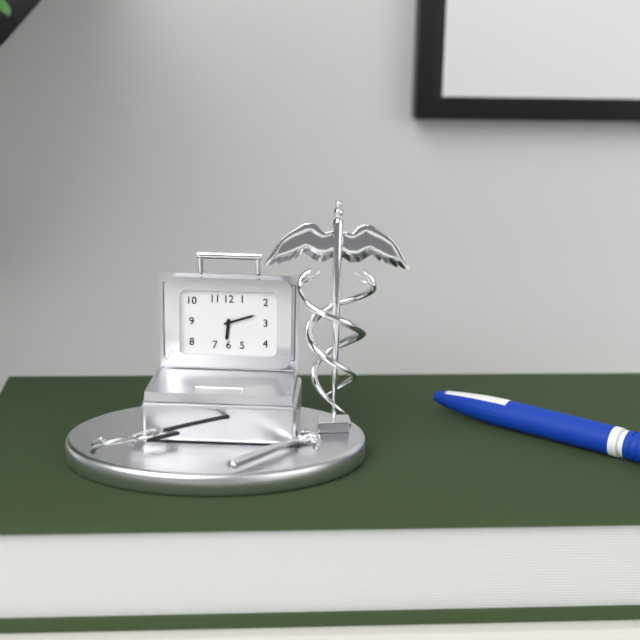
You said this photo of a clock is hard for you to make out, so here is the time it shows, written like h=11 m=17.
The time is h=6 m=12
